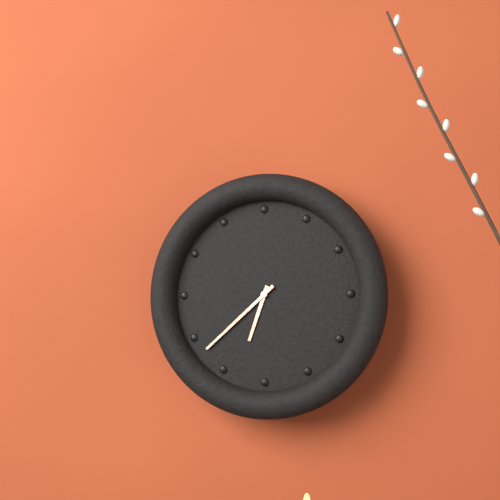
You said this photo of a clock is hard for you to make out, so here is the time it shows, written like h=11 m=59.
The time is h=6 m=38
